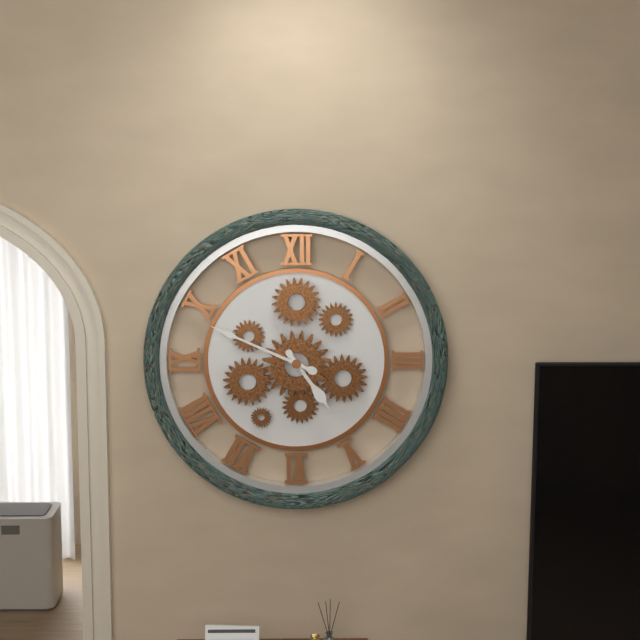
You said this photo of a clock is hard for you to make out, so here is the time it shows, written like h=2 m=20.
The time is h=4 m=49
